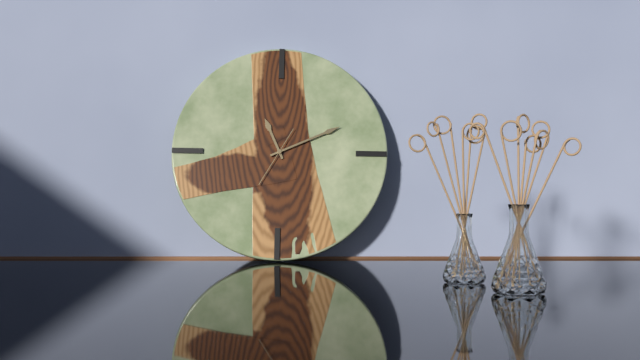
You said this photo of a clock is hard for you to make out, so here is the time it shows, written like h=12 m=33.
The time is h=11 m=11
